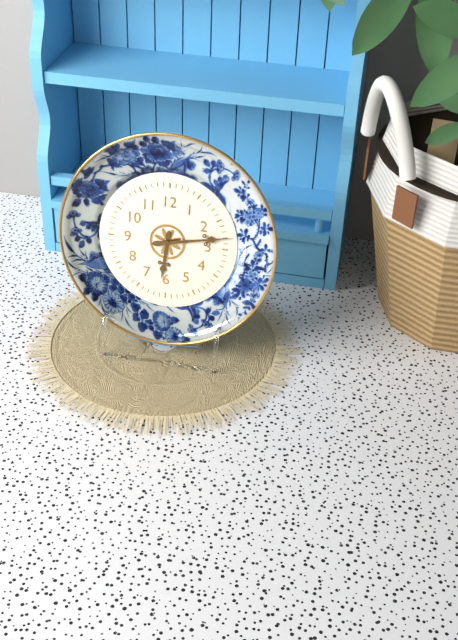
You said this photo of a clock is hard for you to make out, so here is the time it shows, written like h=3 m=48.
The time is h=6 m=13
